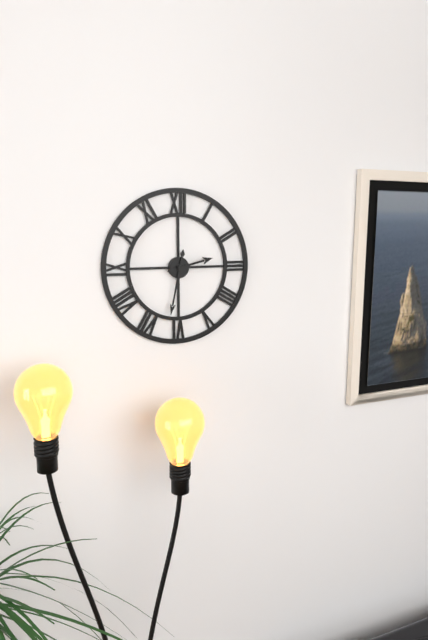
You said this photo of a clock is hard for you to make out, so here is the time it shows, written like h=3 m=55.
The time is h=2 m=32
